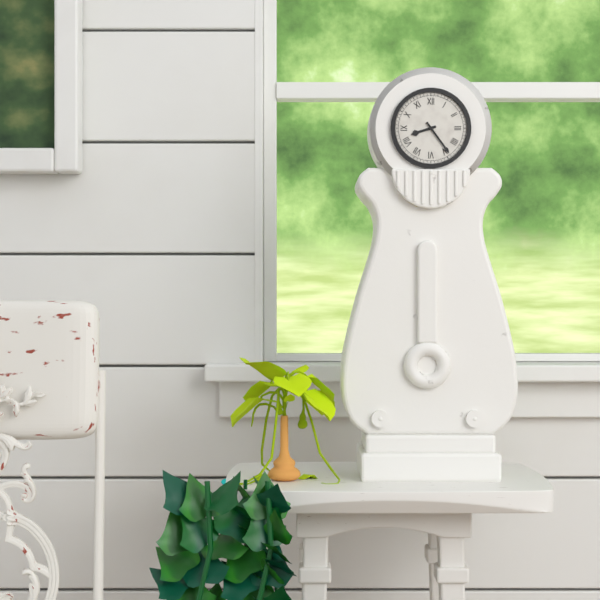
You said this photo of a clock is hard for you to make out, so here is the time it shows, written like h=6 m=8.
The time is h=8 m=24
